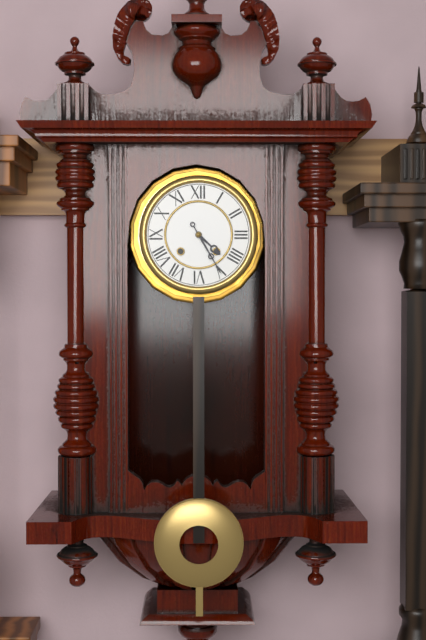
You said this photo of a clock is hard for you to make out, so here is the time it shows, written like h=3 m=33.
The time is h=4 m=25
